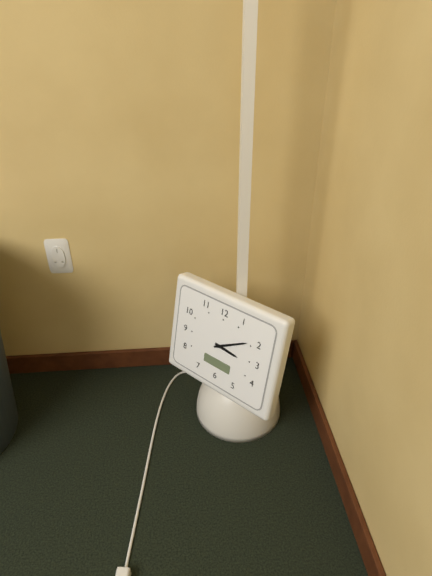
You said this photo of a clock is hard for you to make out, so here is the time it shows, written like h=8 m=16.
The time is h=3 m=10
